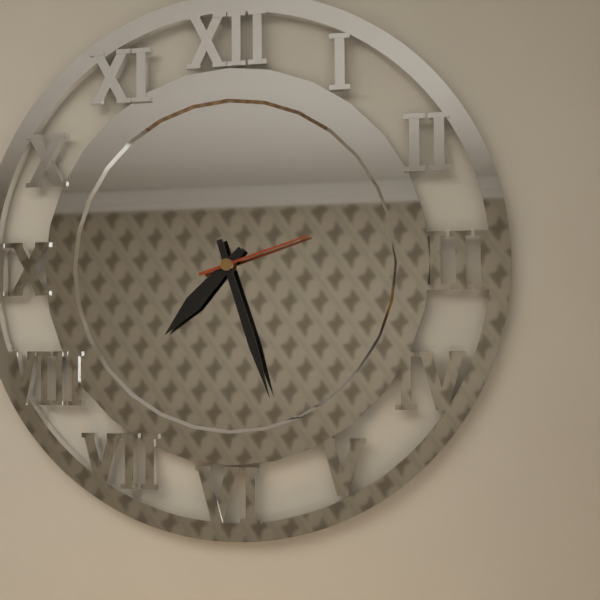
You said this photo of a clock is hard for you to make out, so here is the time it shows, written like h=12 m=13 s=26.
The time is h=7 m=27 s=12
